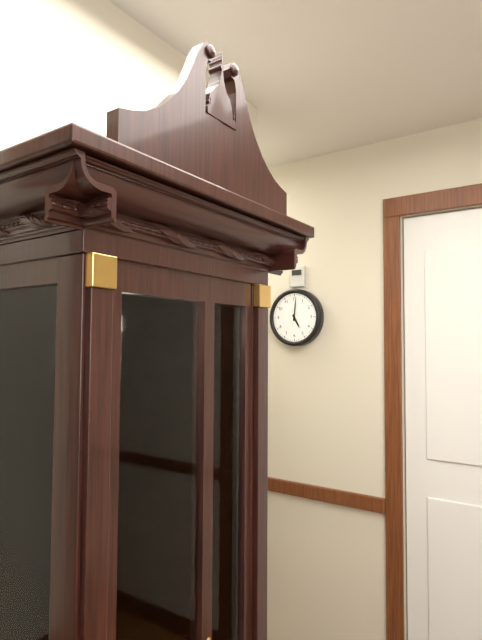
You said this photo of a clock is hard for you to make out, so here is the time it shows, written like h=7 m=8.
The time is h=5 m=1
